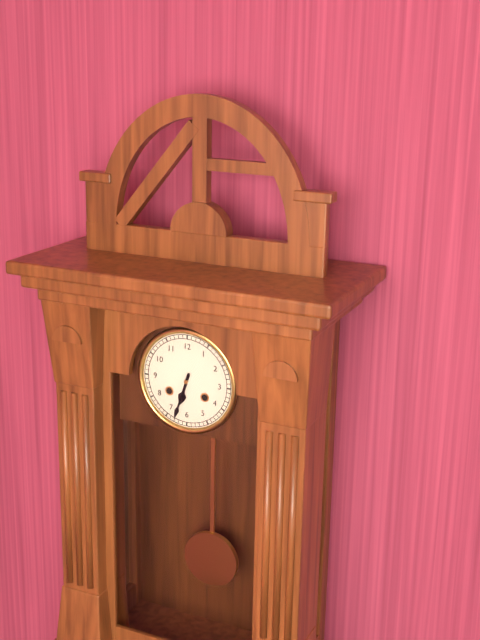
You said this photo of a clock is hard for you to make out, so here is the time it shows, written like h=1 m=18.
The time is h=6 m=33
